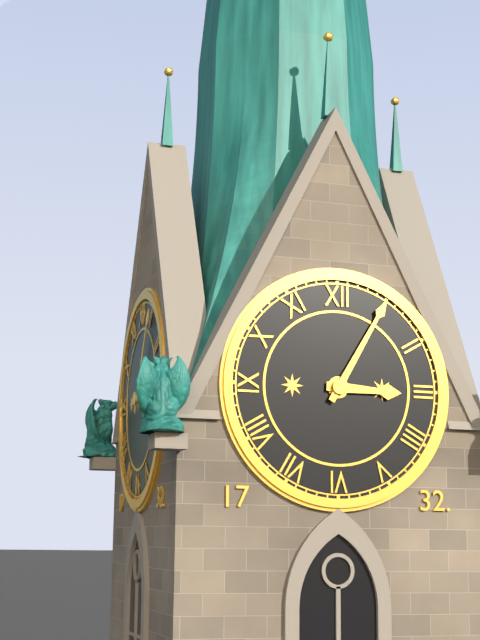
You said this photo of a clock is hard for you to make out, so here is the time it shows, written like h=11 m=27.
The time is h=3 m=5
